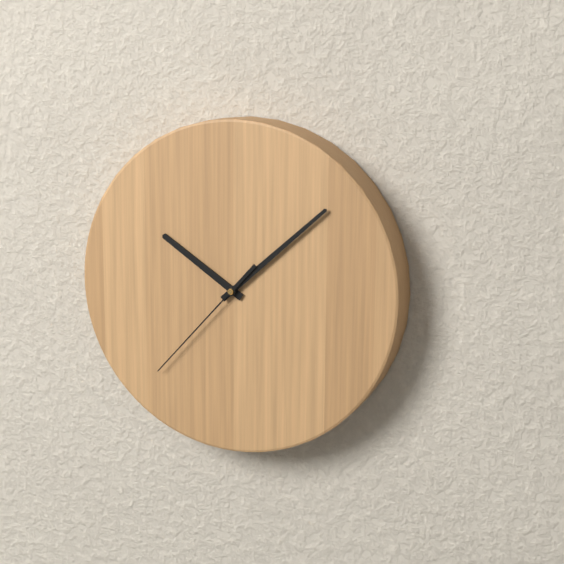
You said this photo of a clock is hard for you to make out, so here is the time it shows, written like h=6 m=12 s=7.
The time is h=10 m=8 s=37
